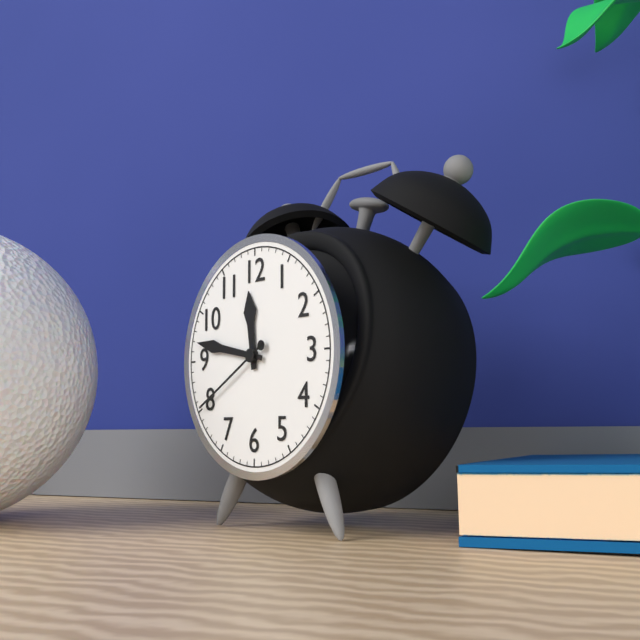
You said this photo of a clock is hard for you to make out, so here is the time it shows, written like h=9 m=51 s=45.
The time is h=11 m=47 s=40
